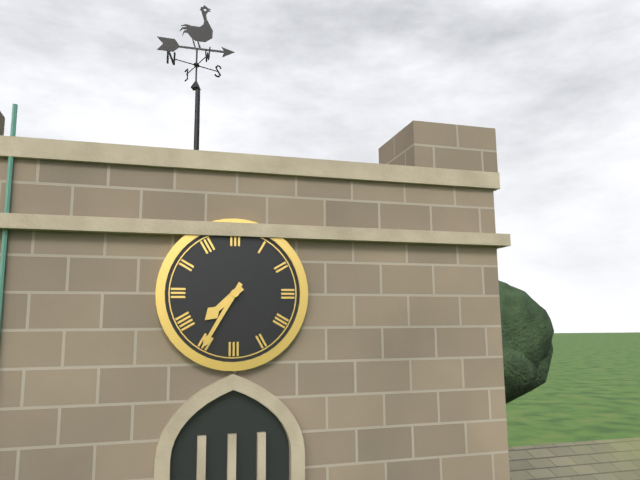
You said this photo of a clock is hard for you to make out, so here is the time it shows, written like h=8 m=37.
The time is h=7 m=35
